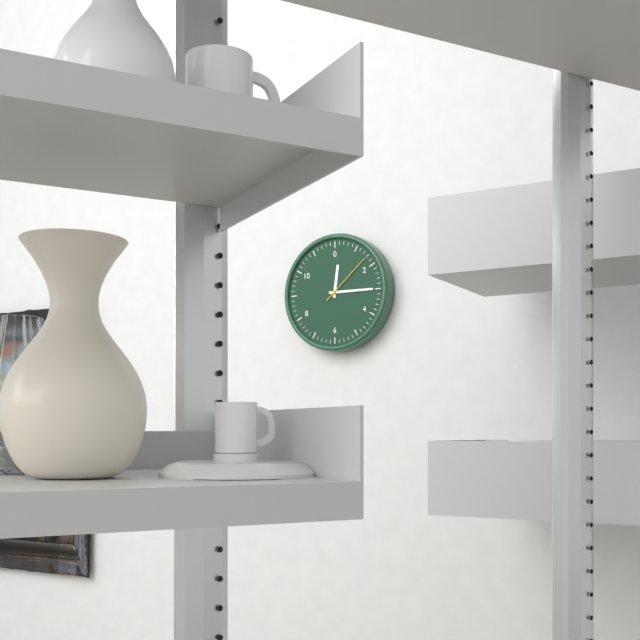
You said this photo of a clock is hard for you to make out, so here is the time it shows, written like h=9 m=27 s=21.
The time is h=12 m=15 s=8
